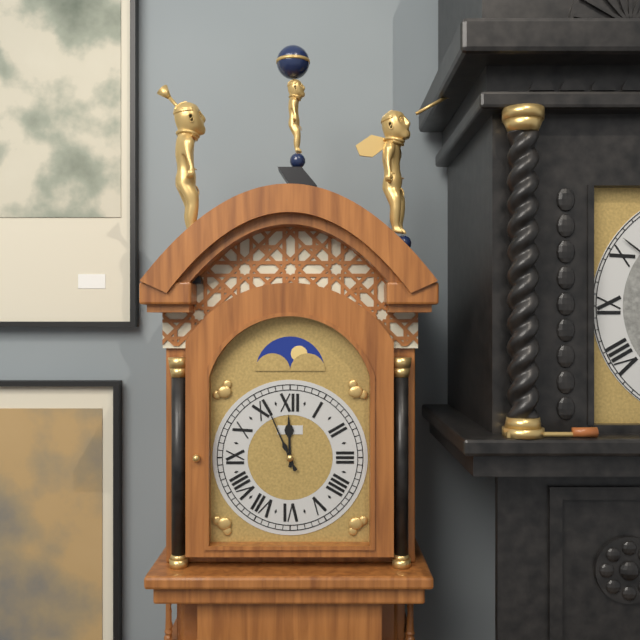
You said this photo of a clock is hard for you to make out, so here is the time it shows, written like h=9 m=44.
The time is h=11 m=56
